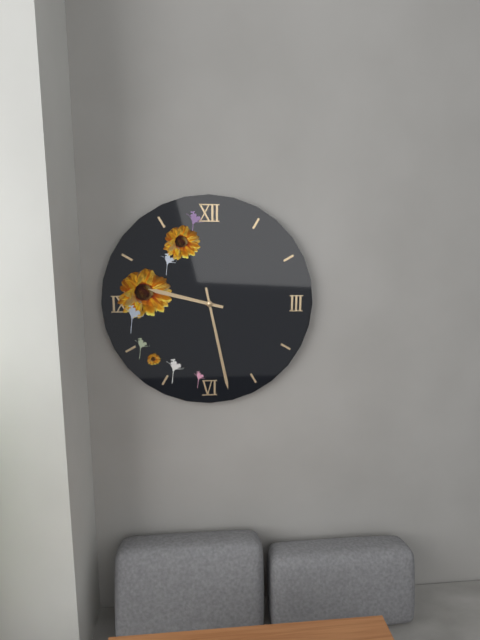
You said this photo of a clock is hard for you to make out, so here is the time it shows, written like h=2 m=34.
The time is h=9 m=28
